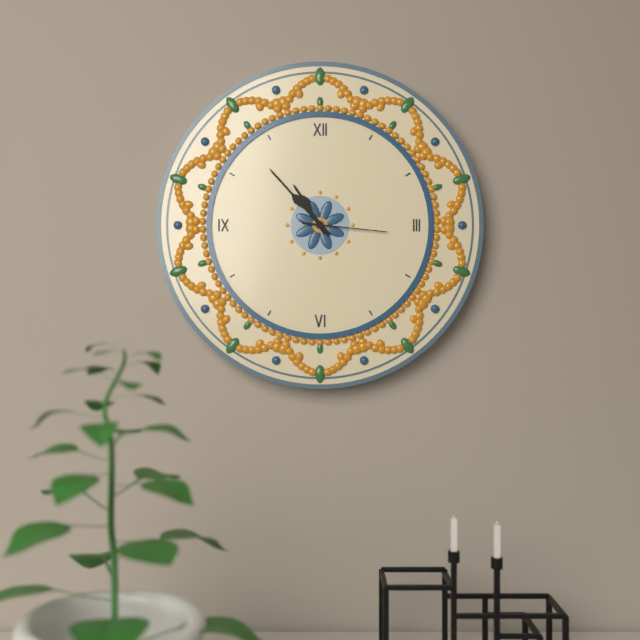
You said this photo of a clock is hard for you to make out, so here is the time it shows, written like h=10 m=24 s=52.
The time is h=10 m=53 s=16
